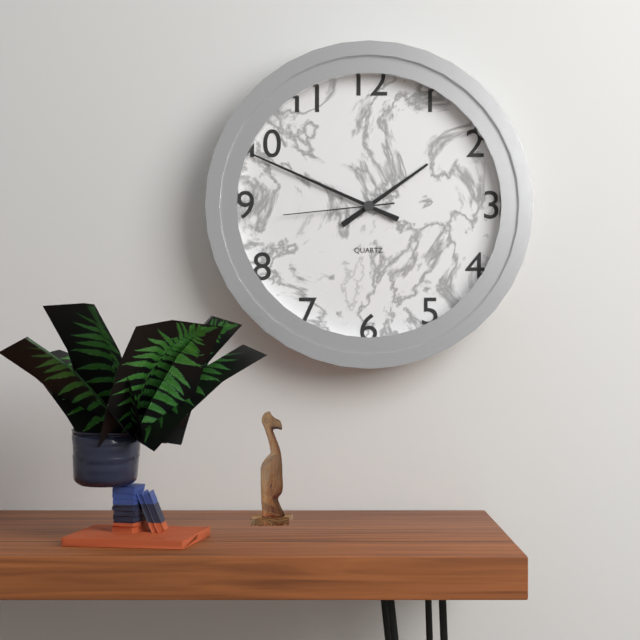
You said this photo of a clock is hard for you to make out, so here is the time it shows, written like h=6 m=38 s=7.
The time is h=1 m=49 s=44
